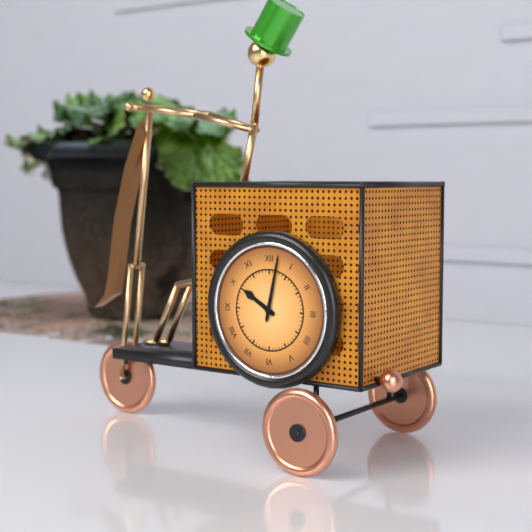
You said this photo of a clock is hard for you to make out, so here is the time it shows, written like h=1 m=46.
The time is h=10 m=2
